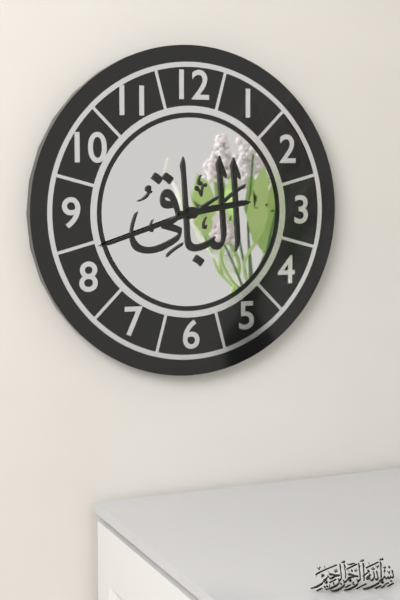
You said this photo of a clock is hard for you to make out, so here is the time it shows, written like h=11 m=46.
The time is h=2 m=42
